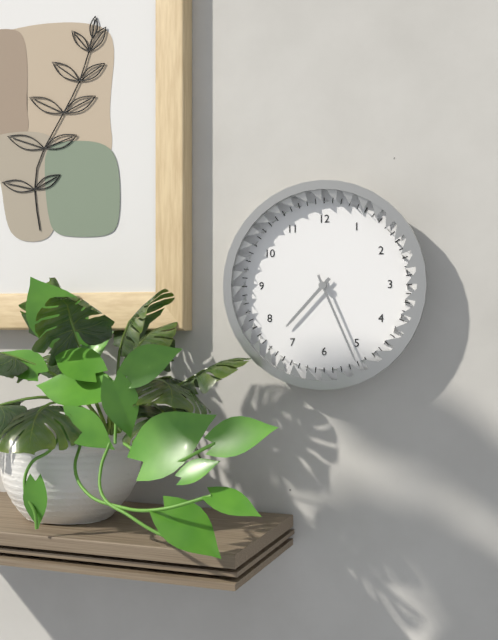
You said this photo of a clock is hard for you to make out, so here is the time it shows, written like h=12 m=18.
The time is h=7 m=26
